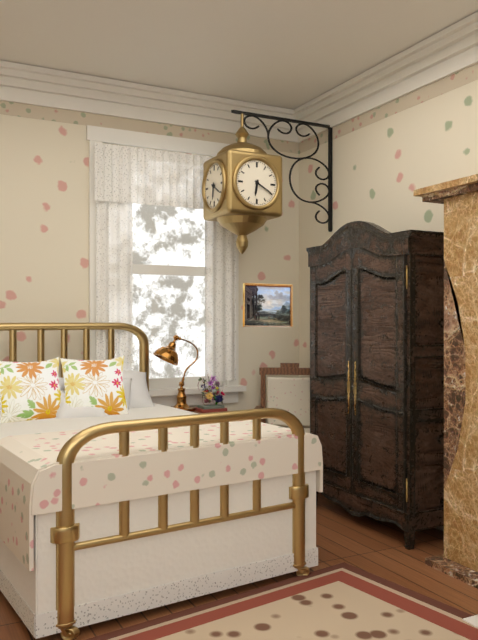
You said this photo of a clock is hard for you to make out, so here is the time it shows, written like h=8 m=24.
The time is h=6 m=20
